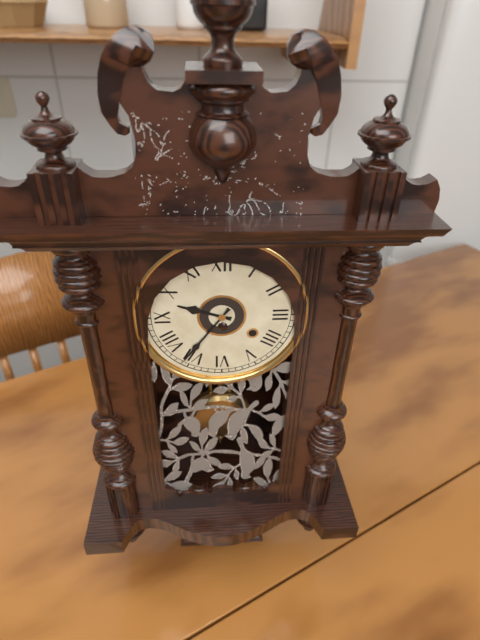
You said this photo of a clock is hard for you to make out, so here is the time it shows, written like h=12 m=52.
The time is h=9 m=36
